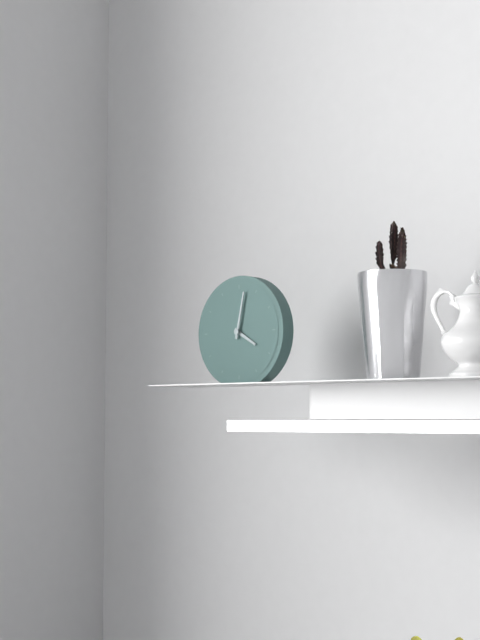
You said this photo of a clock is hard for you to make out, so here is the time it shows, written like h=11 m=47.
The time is h=4 m=2
